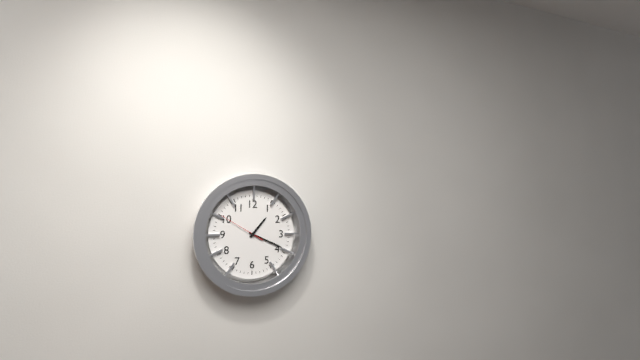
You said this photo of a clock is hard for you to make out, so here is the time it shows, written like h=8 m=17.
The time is h=1 m=19
